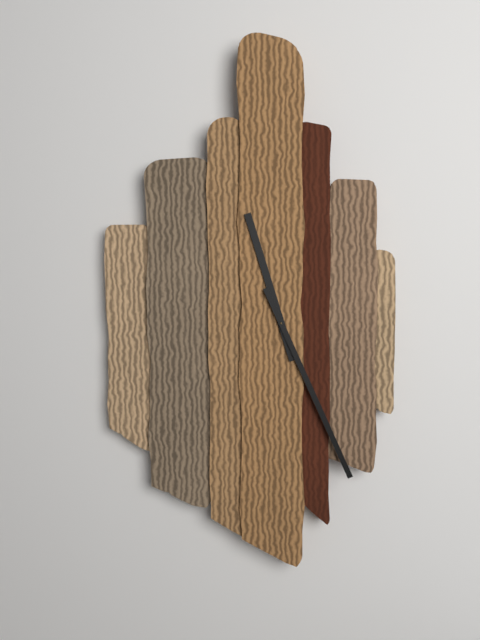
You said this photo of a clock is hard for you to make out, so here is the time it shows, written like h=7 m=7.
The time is h=11 m=26
